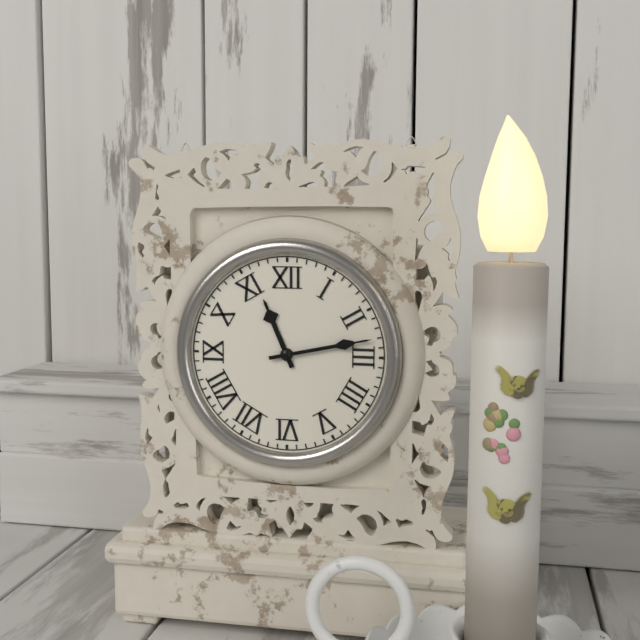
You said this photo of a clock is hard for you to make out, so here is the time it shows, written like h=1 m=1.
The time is h=11 m=13
